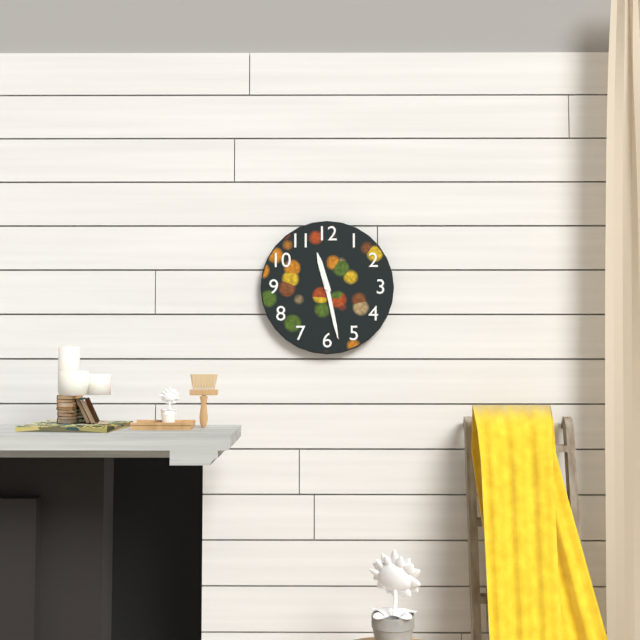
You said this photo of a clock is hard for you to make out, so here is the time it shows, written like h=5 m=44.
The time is h=11 m=28
